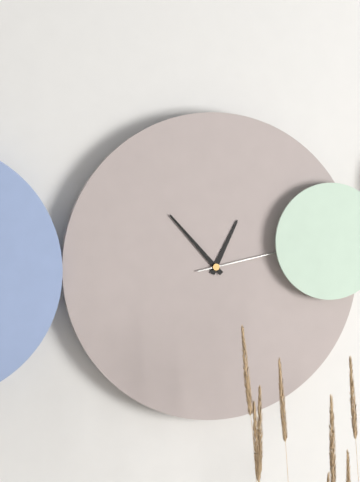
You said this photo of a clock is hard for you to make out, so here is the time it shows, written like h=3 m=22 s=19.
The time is h=12 m=53 s=13
